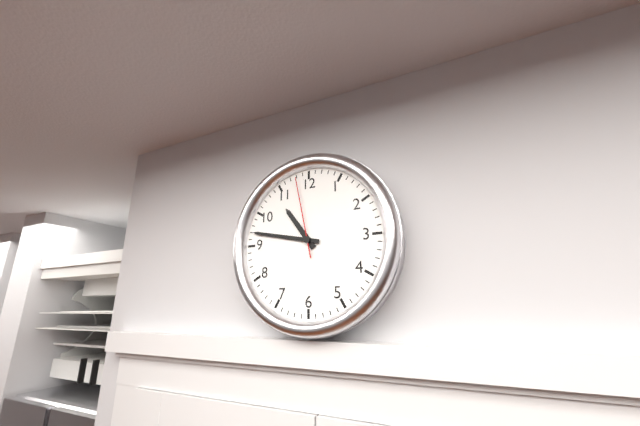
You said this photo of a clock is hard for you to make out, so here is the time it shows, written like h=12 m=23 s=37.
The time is h=10 m=47 s=58
